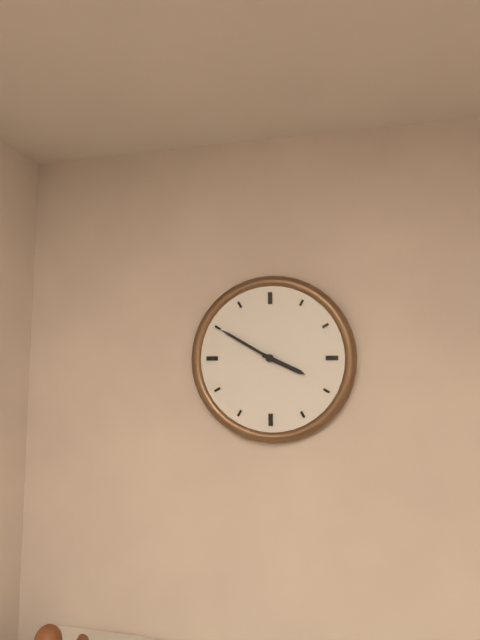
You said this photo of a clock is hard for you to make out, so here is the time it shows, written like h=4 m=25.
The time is h=3 m=50
